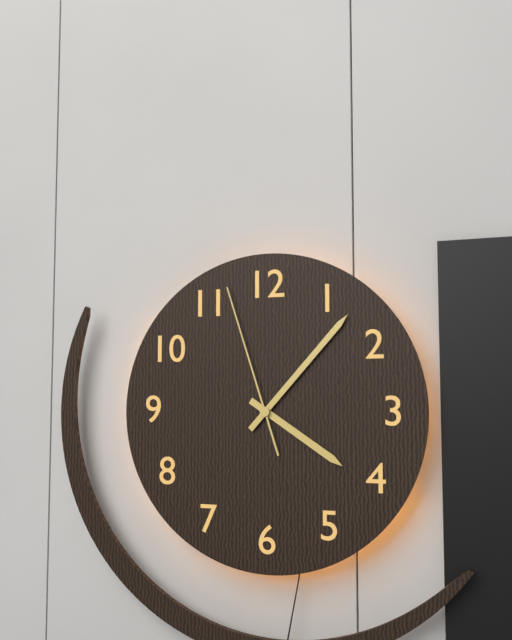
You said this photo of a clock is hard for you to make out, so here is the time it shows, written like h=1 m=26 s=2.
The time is h=4 m=7 s=57
